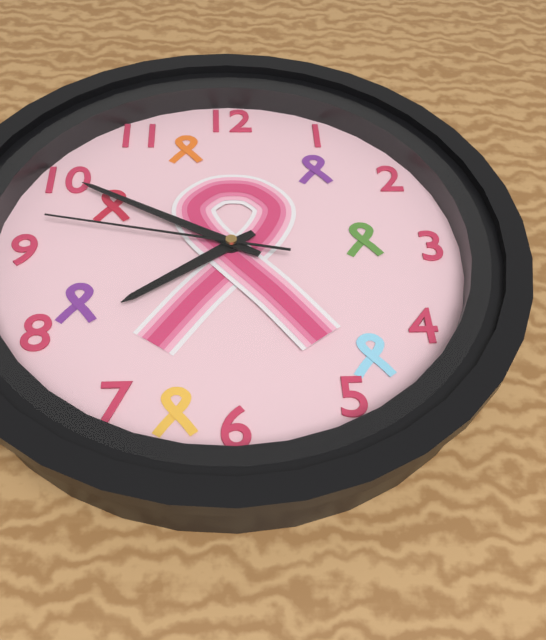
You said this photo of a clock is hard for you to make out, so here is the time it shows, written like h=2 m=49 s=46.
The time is h=7 m=50 s=47
